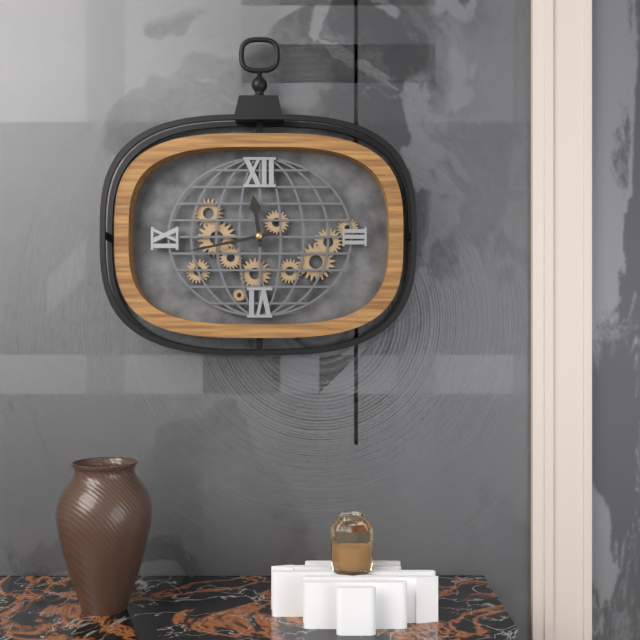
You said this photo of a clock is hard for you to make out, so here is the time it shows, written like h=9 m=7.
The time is h=11 m=43
